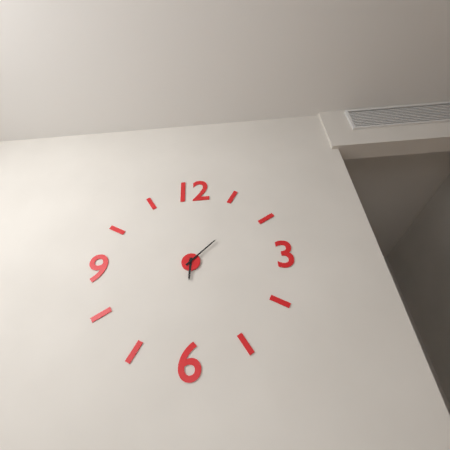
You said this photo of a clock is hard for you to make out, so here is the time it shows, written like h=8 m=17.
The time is h=6 m=8
